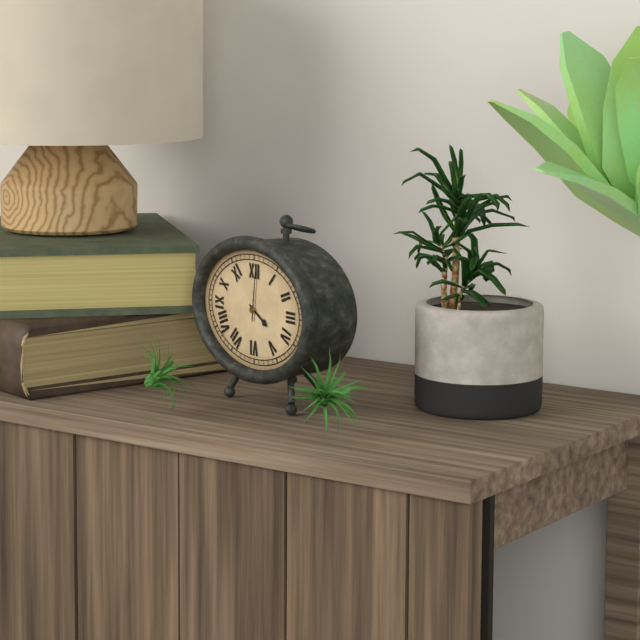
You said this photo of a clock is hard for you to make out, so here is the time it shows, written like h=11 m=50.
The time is h=4 m=1
